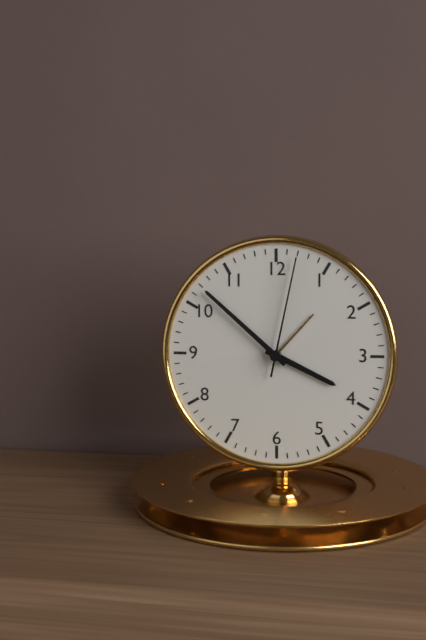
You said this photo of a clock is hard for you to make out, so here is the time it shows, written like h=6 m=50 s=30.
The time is h=3 m=52 s=2
